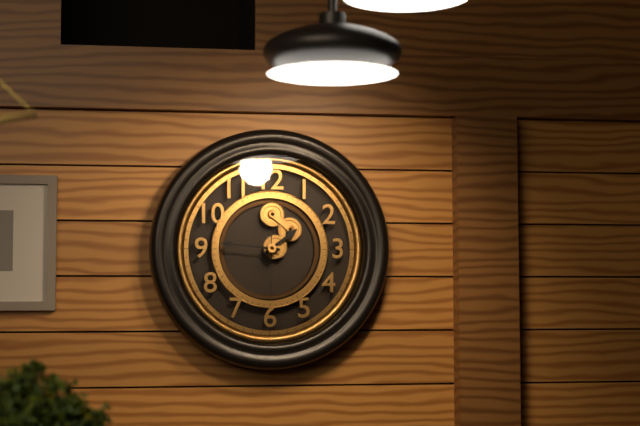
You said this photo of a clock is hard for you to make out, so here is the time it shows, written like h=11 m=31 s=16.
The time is h=1 m=46 s=30
